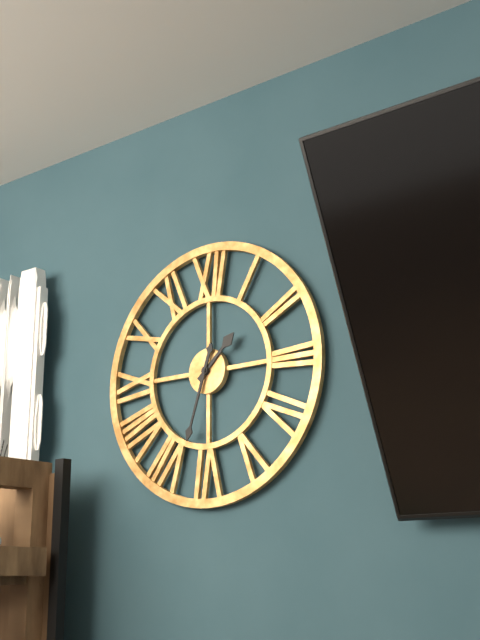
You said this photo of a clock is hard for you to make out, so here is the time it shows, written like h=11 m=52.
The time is h=1 m=33
